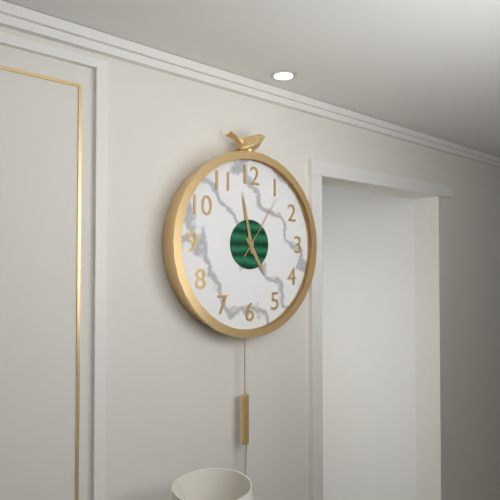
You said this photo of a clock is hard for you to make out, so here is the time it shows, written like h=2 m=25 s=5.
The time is h=4 m=58 s=6
